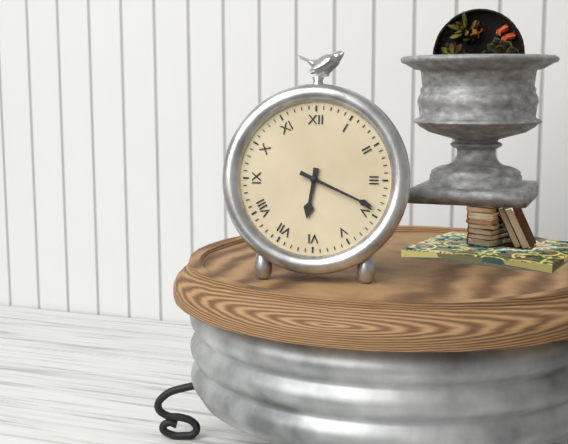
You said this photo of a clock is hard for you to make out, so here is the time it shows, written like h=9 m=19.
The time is h=6 m=19
